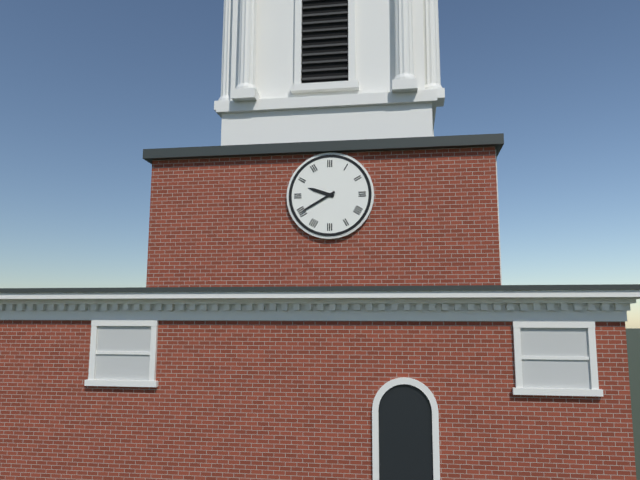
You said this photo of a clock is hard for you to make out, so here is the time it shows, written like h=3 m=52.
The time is h=9 m=40
